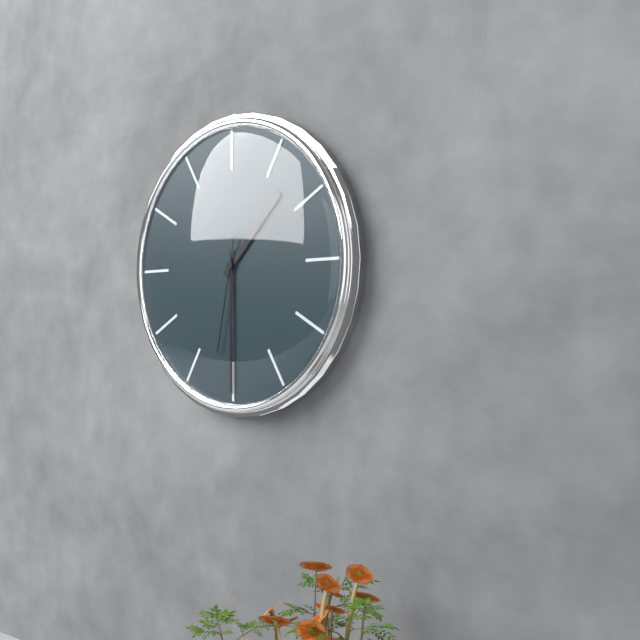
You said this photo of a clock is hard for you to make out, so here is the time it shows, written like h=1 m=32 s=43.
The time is h=1 m=30 s=32
